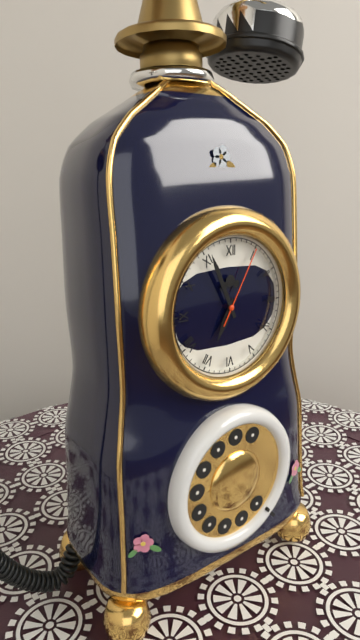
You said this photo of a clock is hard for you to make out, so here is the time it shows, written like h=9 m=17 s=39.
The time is h=6 m=56 s=5
